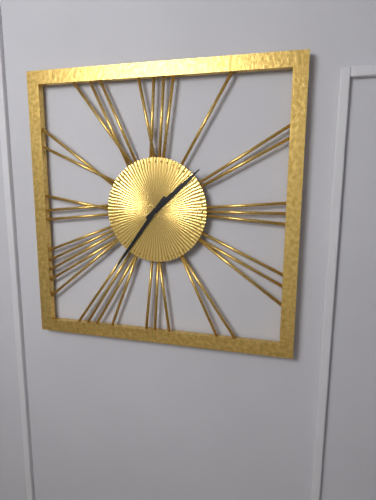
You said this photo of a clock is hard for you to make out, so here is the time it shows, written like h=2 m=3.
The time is h=1 m=36
